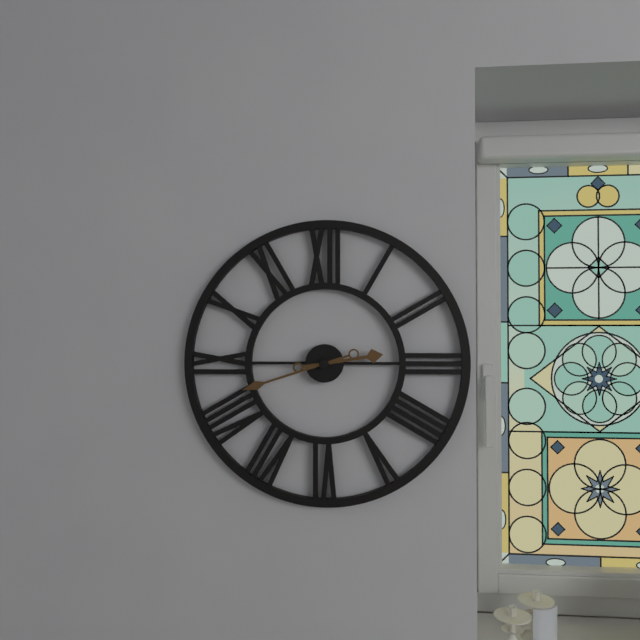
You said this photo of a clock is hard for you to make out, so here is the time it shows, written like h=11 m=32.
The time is h=2 m=42
